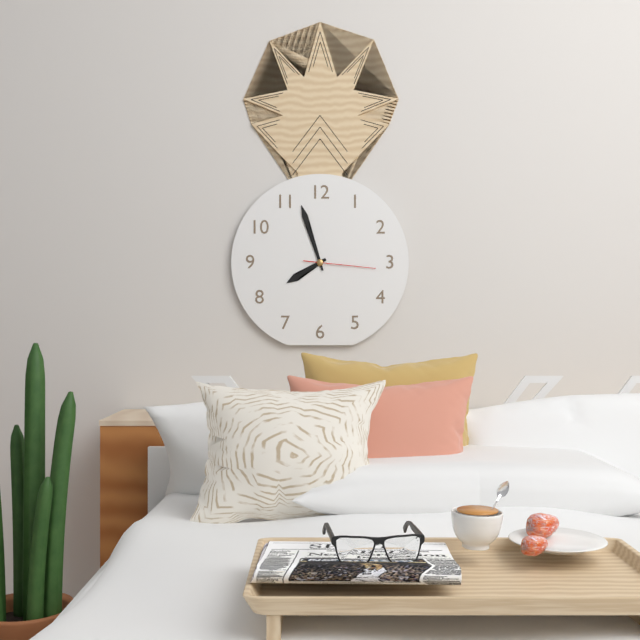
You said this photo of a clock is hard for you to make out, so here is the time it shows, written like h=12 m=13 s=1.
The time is h=7 m=57 s=16
